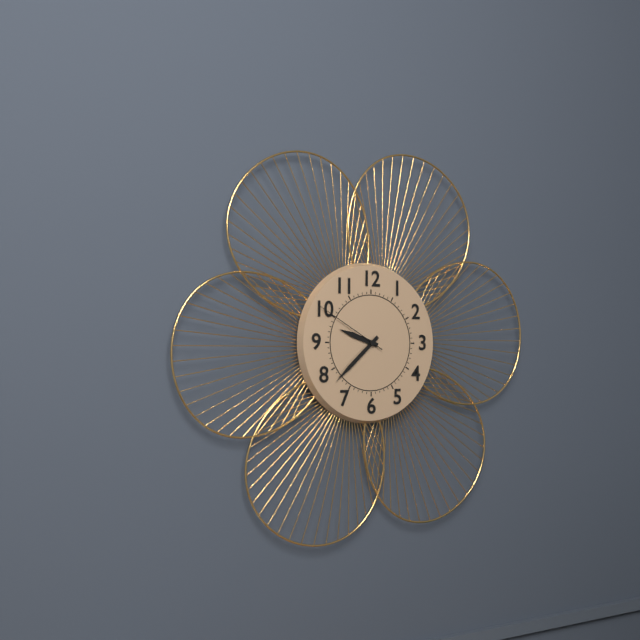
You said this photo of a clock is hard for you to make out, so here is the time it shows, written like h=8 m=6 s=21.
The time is h=9 m=38 s=50
